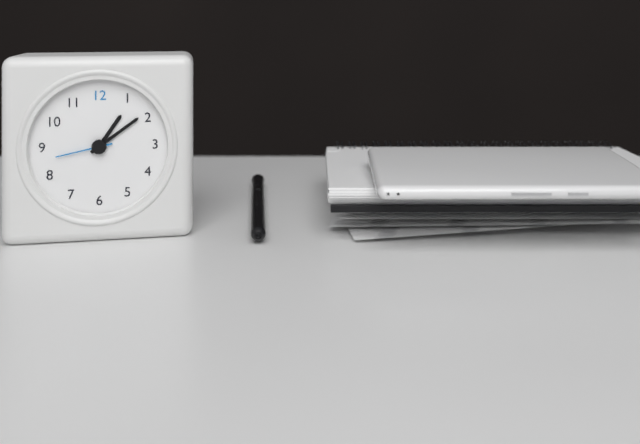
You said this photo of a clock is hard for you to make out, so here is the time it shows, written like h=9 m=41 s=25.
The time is h=1 m=9 s=43
